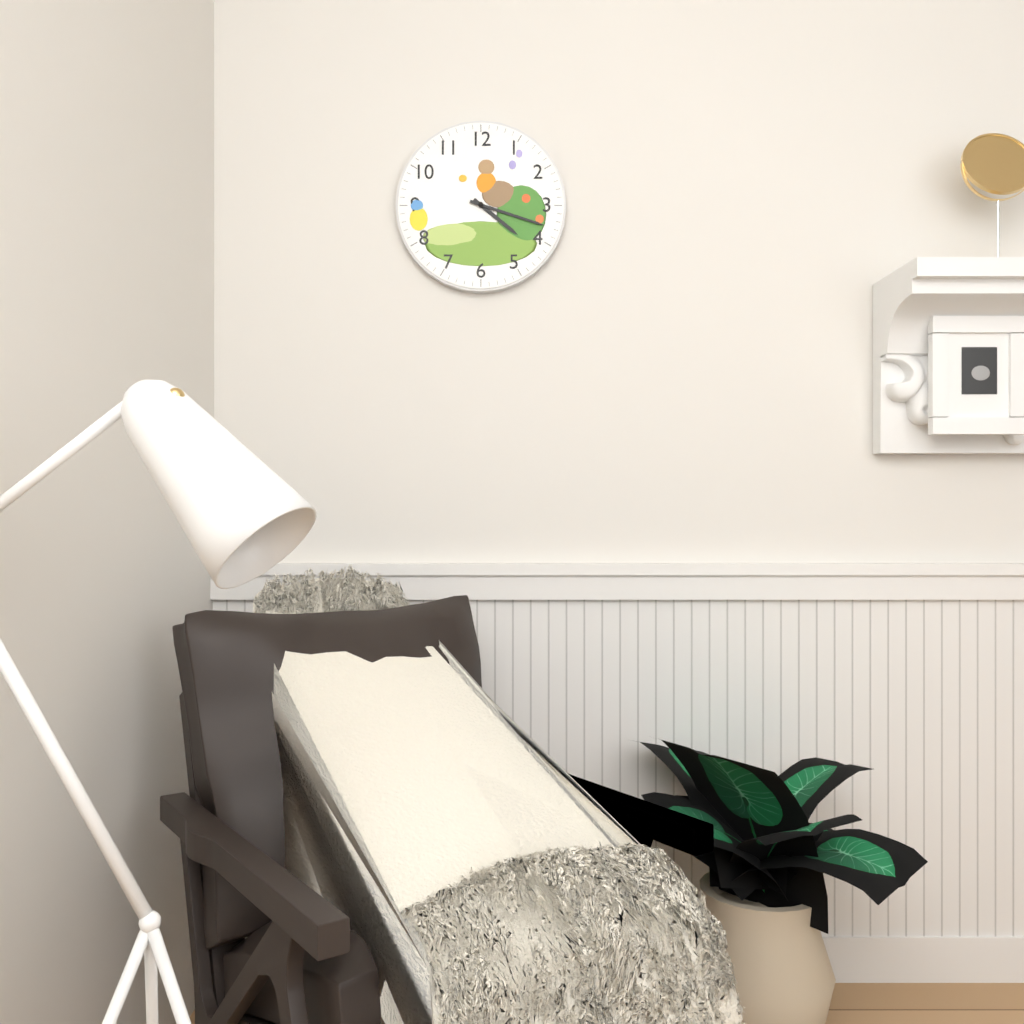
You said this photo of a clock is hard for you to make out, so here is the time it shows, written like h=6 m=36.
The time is h=4 m=18
